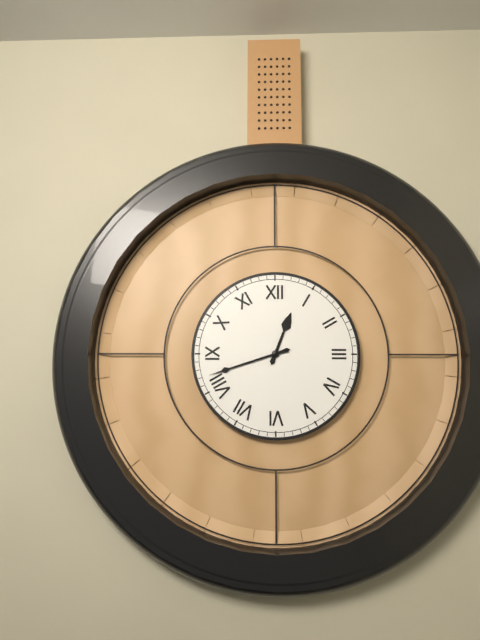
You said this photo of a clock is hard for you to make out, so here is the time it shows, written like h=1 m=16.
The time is h=12 m=42
